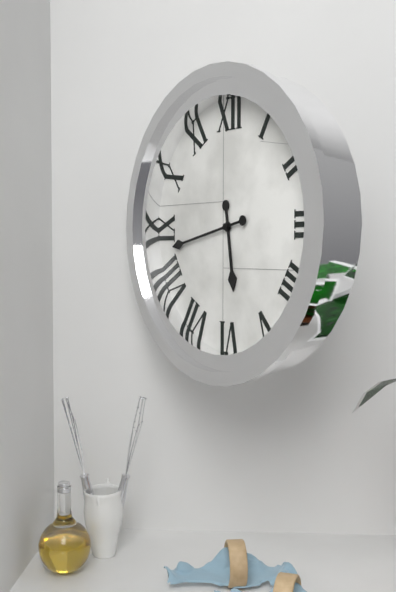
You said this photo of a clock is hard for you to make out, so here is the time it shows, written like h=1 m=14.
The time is h=5 m=43
